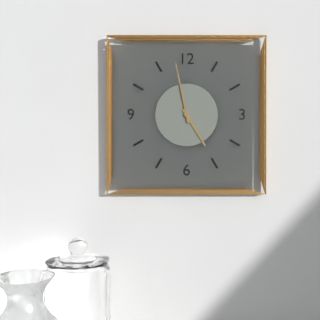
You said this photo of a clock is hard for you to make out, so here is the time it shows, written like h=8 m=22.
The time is h=4 m=58
